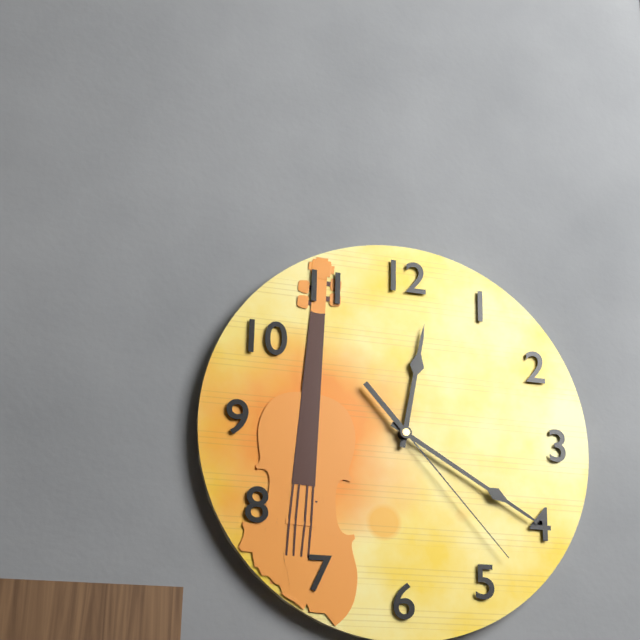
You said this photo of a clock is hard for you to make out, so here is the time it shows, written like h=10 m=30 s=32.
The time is h=12 m=20 s=23
